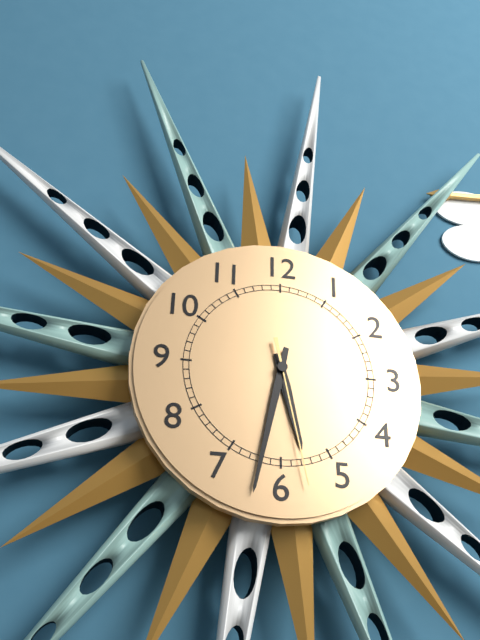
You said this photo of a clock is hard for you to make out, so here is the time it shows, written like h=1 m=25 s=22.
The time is h=5 m=32 s=28
